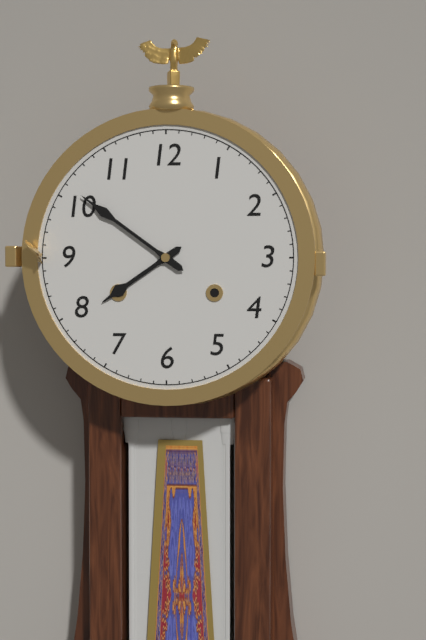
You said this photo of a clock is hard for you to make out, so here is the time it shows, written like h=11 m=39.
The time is h=7 m=51
